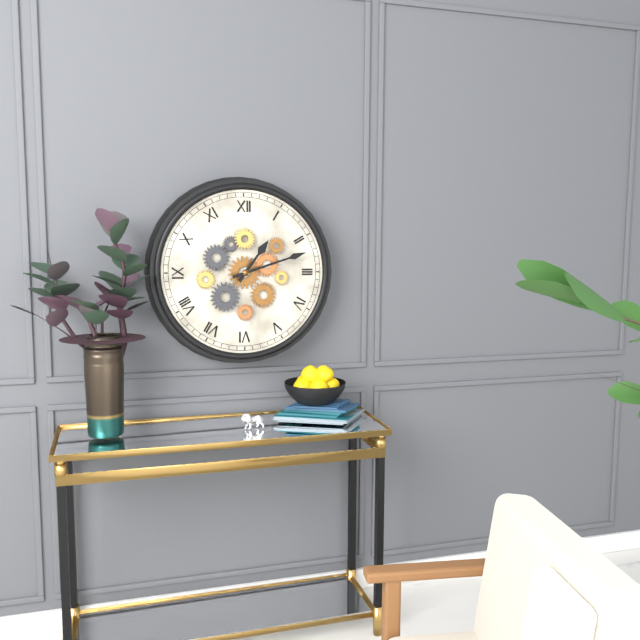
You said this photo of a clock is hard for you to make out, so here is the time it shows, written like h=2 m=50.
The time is h=1 m=12
